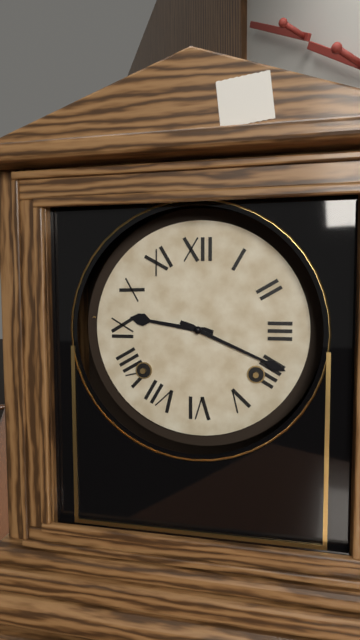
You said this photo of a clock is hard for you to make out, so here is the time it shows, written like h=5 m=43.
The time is h=9 m=19
